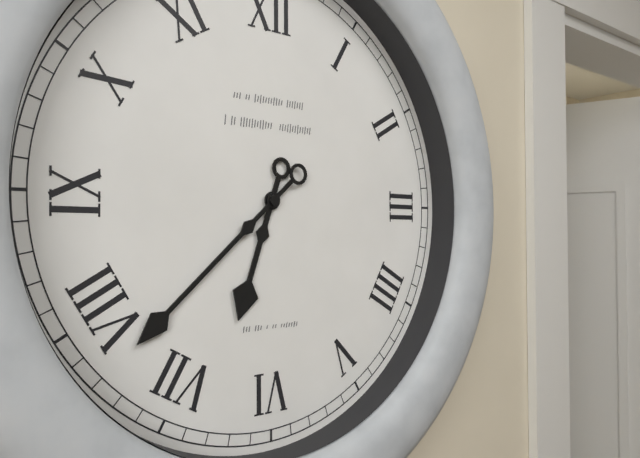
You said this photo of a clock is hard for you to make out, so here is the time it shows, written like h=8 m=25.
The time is h=6 m=38
